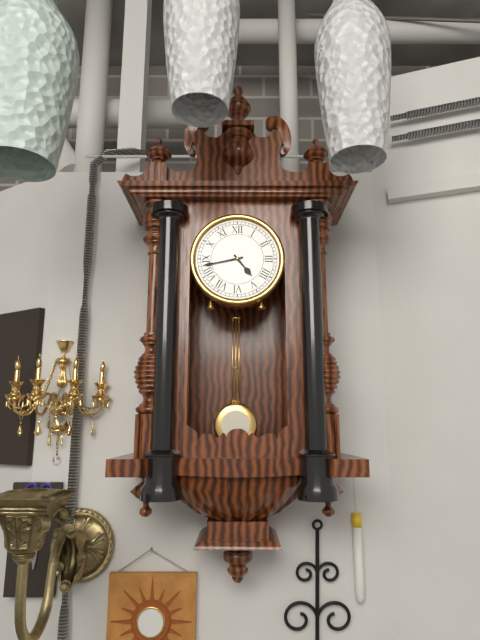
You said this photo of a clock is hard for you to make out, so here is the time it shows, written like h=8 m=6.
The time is h=4 m=43
